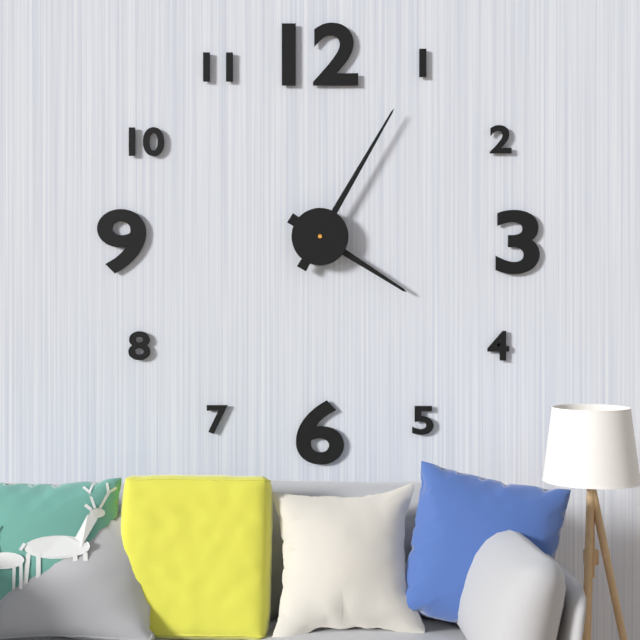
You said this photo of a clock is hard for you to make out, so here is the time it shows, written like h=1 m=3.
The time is h=4 m=5
